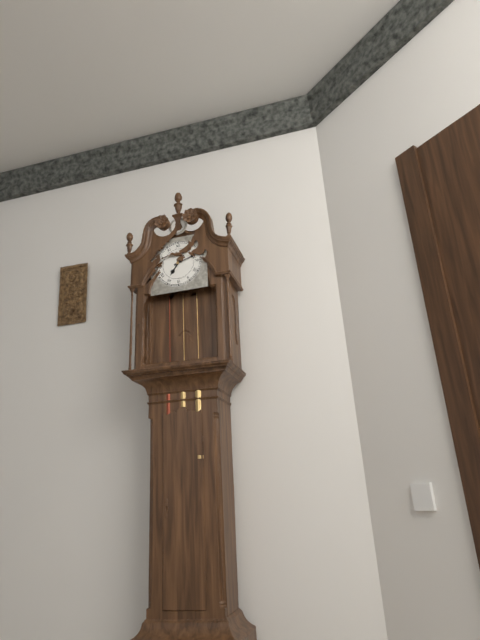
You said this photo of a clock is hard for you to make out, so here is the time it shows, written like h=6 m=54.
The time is h=7 m=12
